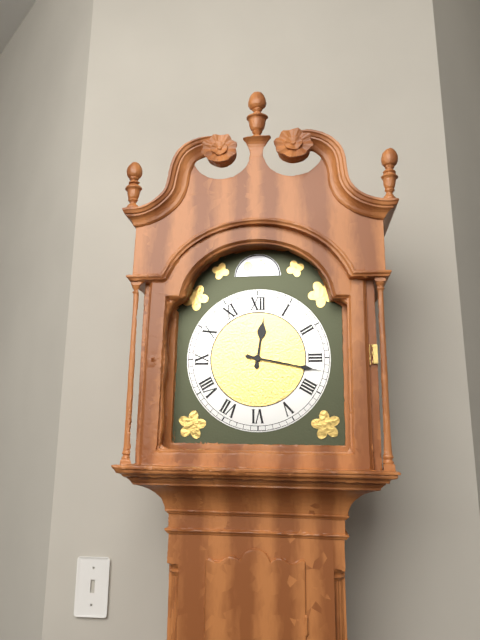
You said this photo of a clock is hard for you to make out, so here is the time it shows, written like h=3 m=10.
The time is h=12 m=17
